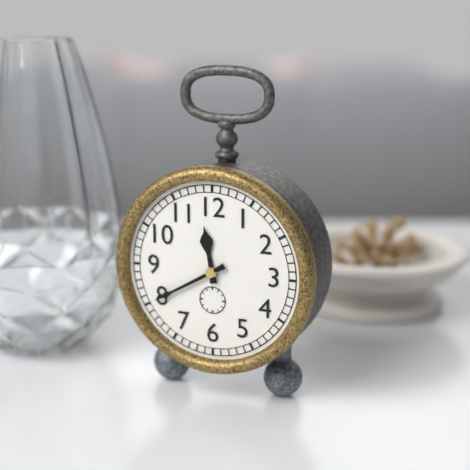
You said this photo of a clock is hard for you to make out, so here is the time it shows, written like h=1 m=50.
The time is h=11 m=40
